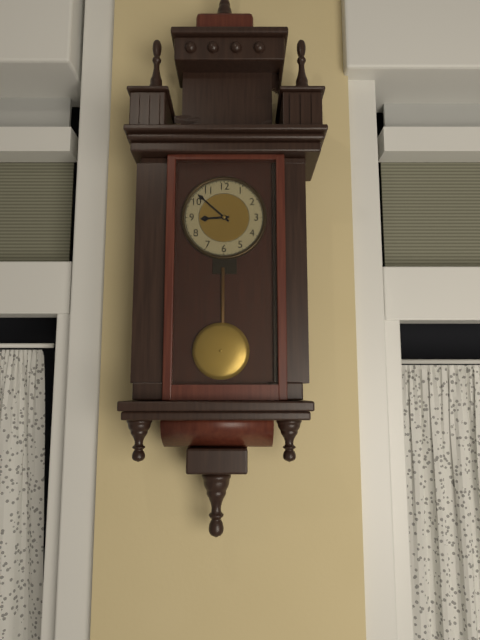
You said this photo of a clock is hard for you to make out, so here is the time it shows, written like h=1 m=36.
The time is h=8 m=52
